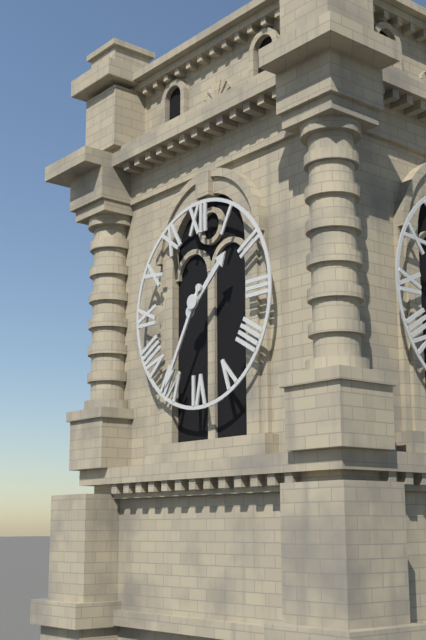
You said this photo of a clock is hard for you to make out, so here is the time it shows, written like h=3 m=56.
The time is h=1 m=35
